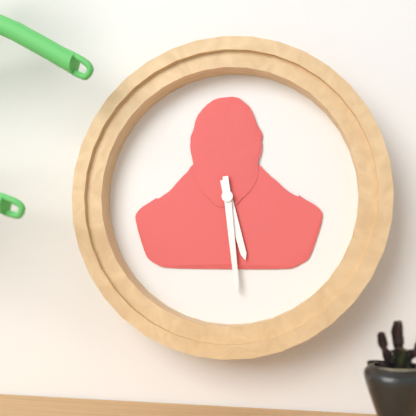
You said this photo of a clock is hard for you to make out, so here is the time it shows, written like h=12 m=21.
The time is h=5 m=29
